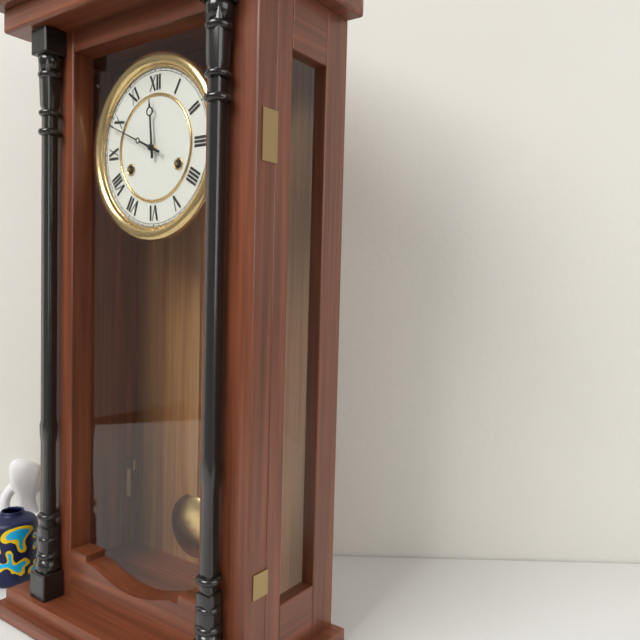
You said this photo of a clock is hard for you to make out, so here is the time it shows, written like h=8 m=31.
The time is h=11 m=49
